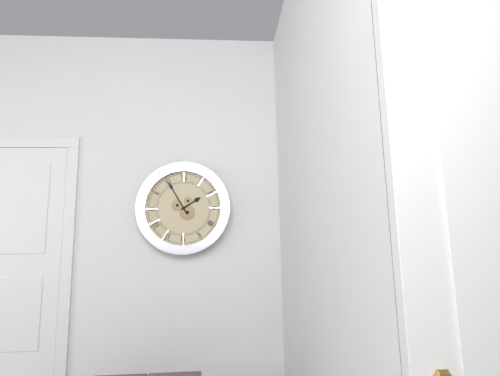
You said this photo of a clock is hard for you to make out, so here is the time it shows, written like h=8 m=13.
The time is h=1 m=55
